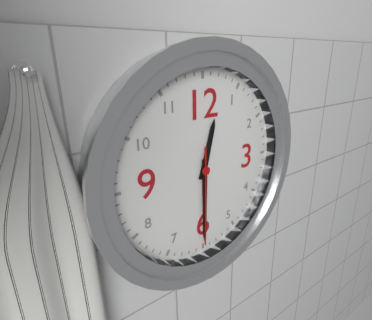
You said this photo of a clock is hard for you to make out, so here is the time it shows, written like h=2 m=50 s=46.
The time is h=12 m=30 s=30
